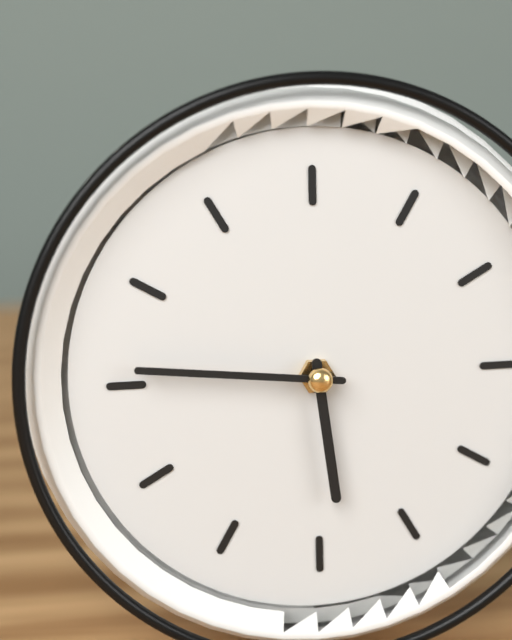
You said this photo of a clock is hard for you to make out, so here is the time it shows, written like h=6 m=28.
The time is h=5 m=46
